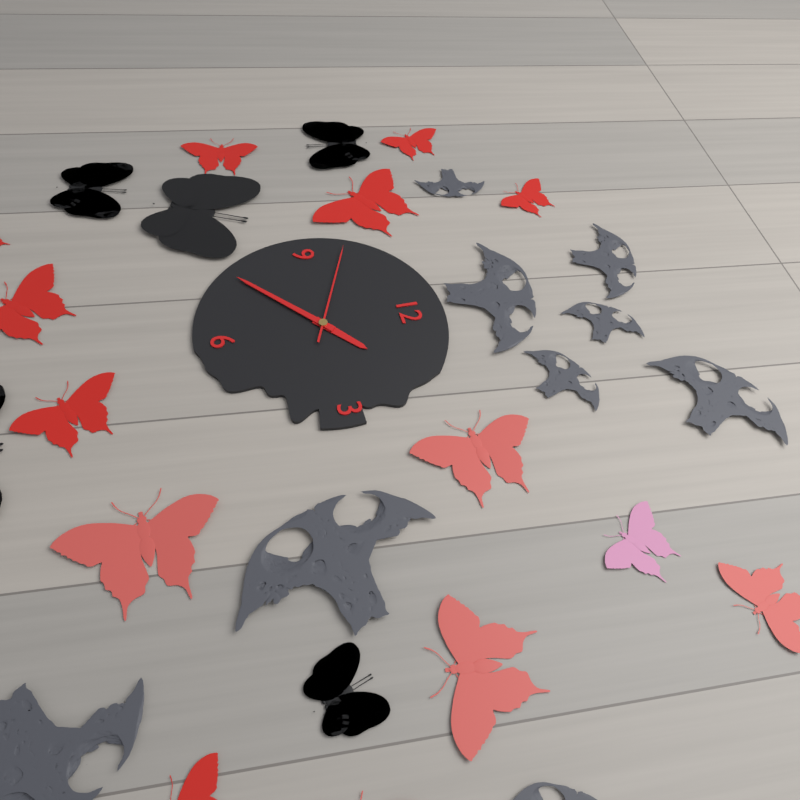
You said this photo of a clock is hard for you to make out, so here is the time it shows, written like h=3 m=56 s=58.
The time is h=1 m=38 s=49
